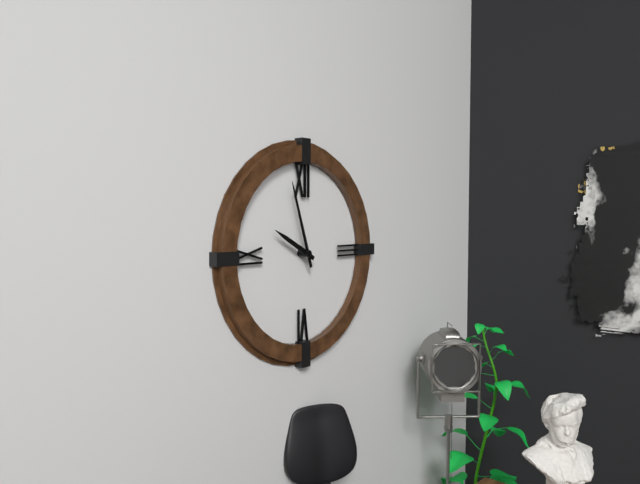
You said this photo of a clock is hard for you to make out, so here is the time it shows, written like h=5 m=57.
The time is h=9 m=57
